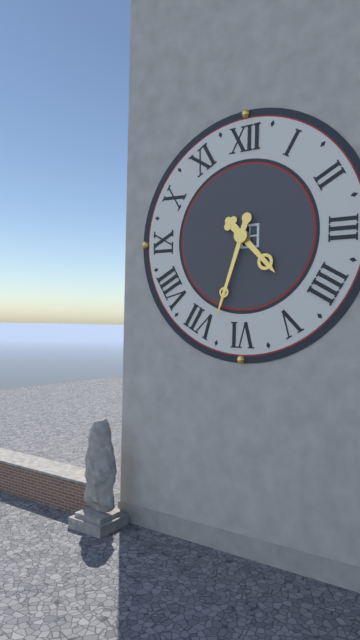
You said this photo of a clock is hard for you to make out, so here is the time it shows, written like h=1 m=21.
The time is h=4 m=33
